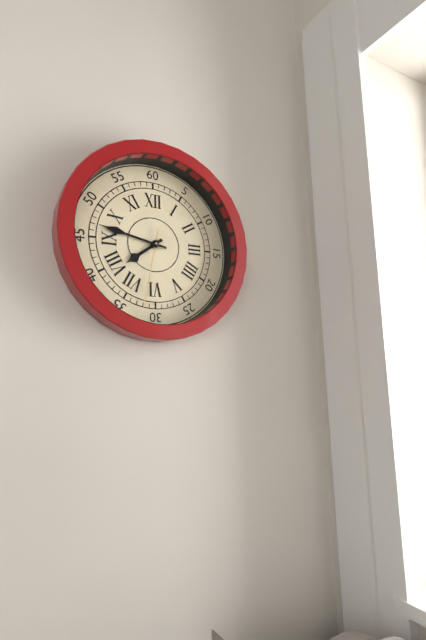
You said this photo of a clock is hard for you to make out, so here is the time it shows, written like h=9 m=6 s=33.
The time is h=7 m=47 s=32
